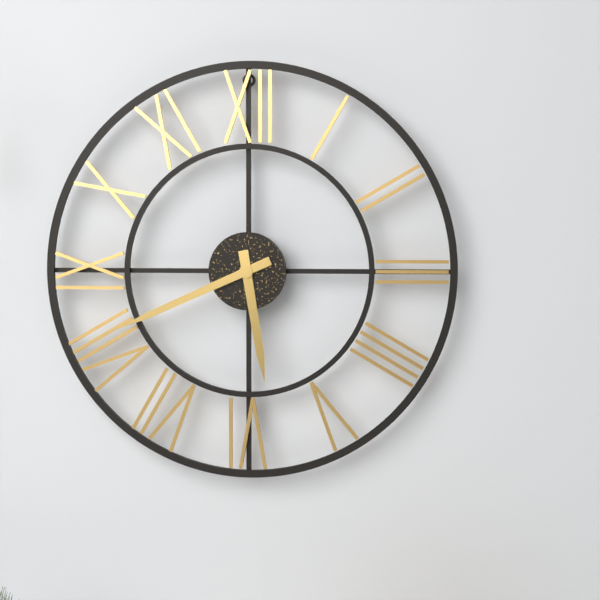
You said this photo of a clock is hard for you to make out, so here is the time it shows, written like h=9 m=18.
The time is h=5 m=41
